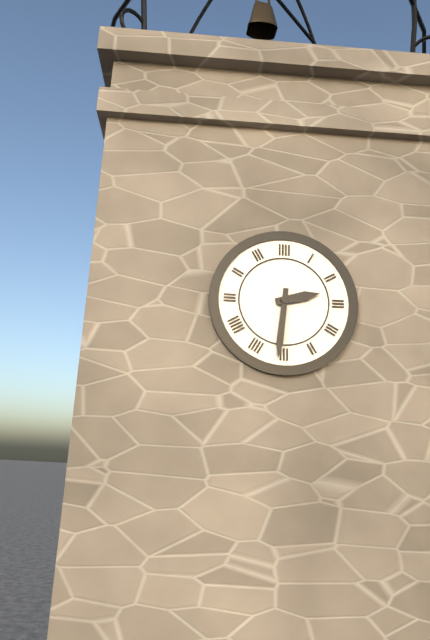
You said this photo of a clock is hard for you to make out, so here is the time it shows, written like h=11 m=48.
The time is h=2 m=31
